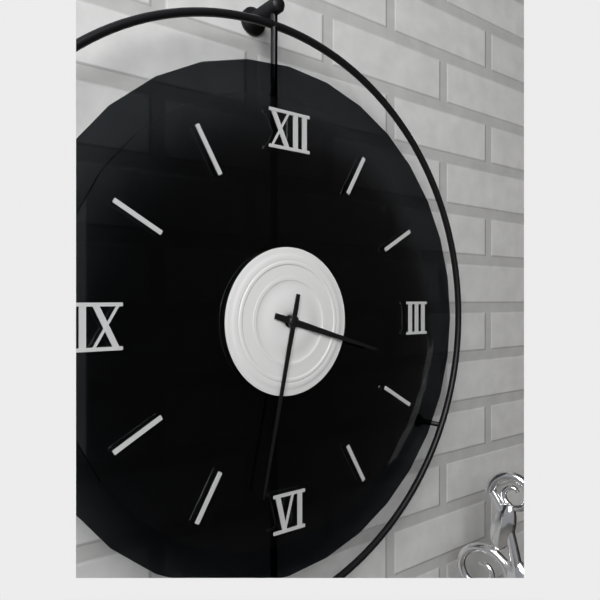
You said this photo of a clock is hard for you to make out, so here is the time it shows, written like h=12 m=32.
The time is h=3 m=32
